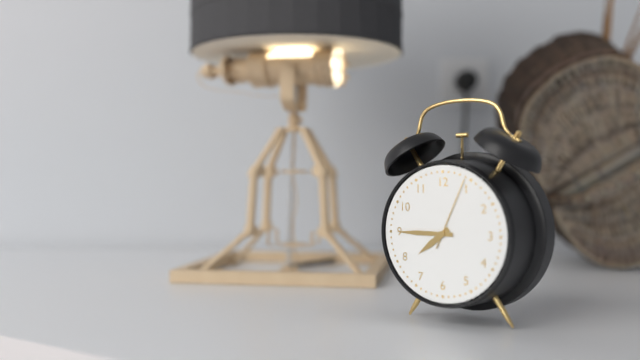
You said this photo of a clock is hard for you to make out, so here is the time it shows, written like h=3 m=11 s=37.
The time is h=7 m=45 s=4
